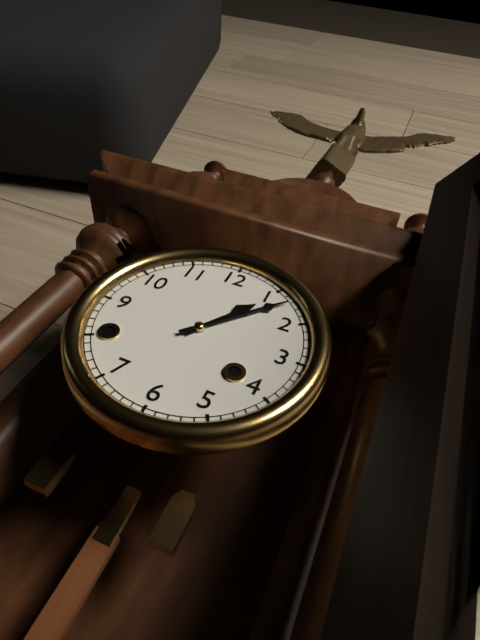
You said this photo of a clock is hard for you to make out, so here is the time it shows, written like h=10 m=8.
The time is h=1 m=7
